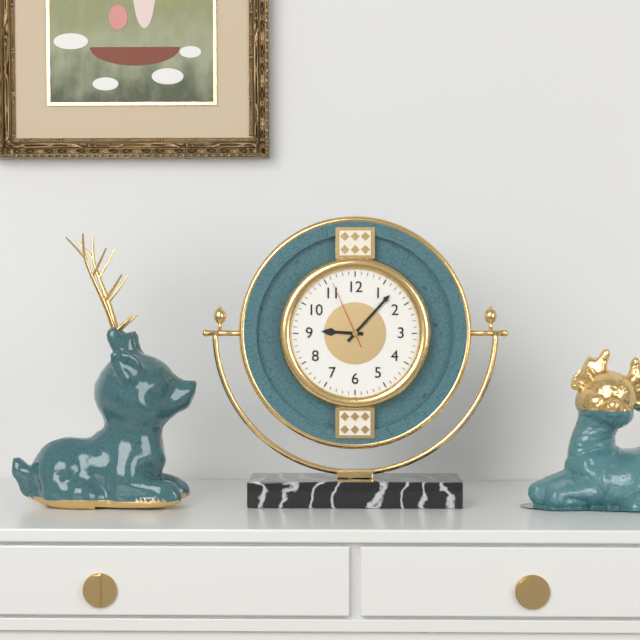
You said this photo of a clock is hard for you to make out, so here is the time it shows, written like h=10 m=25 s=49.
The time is h=9 m=7 s=56
